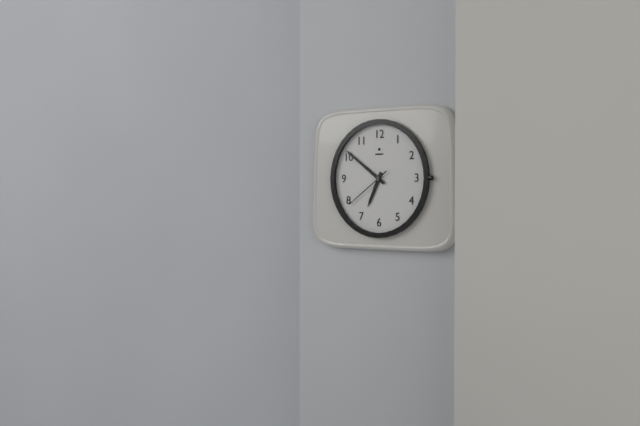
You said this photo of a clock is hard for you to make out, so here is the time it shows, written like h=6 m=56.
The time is h=6 m=51
